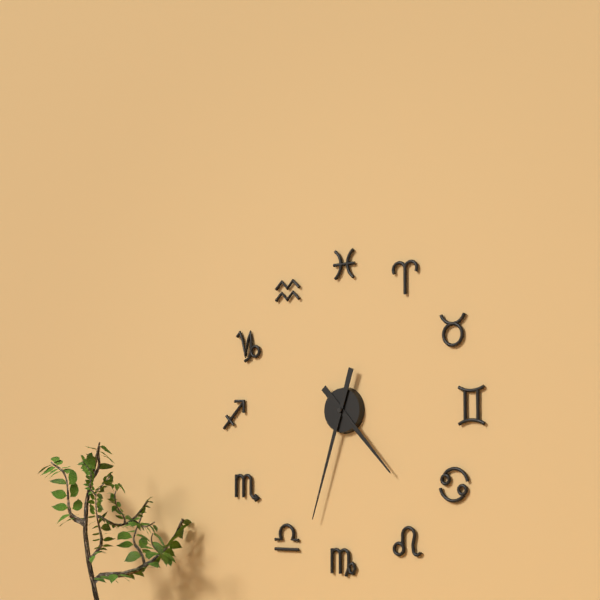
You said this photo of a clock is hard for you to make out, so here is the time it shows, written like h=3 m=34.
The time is h=4 m=33
